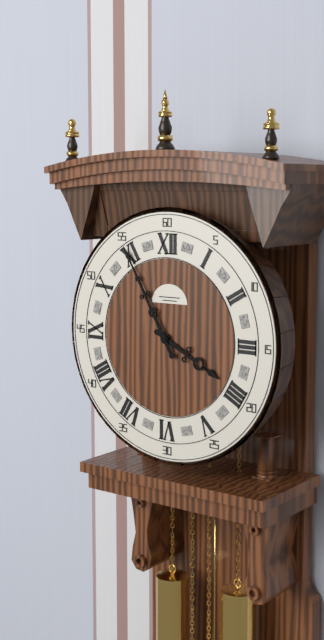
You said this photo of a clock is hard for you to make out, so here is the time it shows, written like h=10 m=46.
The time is h=3 m=55
